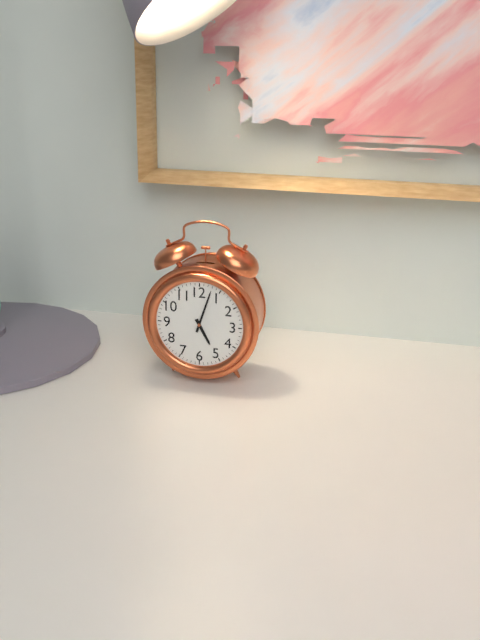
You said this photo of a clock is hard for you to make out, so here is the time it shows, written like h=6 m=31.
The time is h=5 m=3
